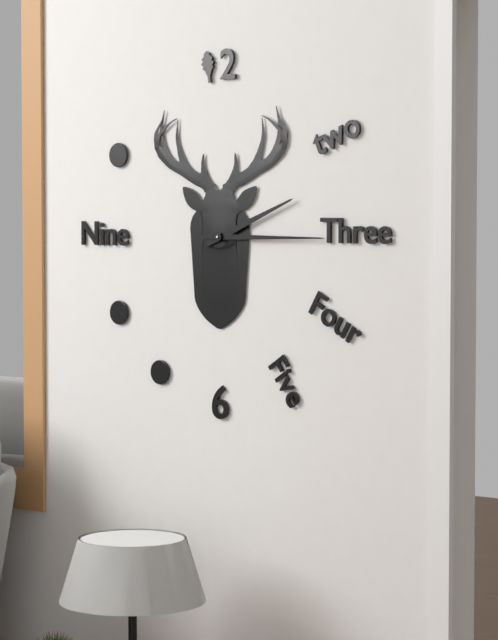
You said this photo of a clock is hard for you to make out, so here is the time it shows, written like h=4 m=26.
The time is h=2 m=15
